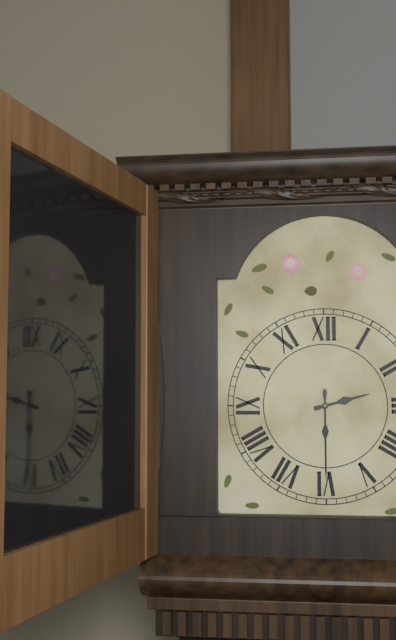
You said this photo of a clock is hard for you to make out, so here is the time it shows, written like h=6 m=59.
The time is h=2 m=30
